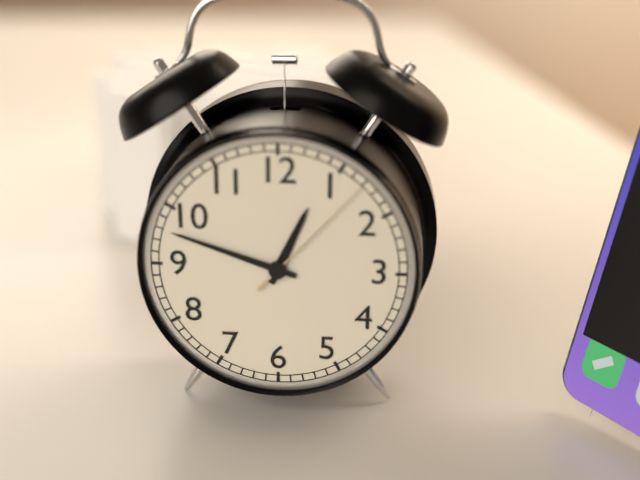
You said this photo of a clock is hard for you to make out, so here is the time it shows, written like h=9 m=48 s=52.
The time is h=12 m=48 s=7
